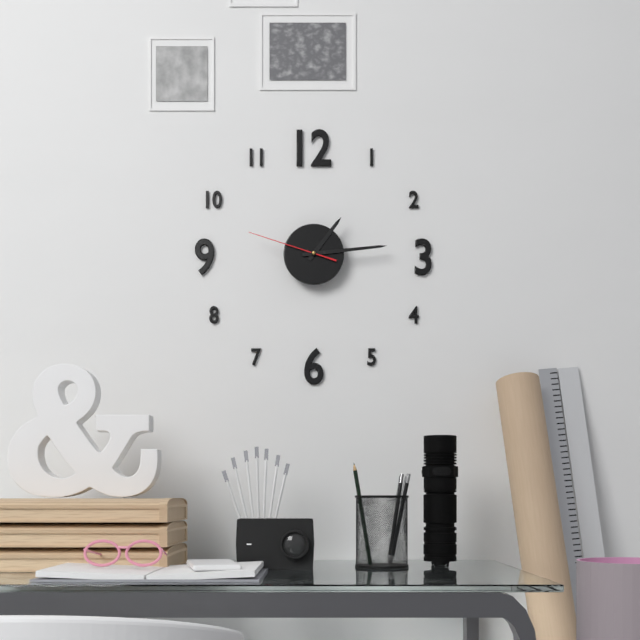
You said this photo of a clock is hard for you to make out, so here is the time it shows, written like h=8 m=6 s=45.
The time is h=1 m=14 s=48
